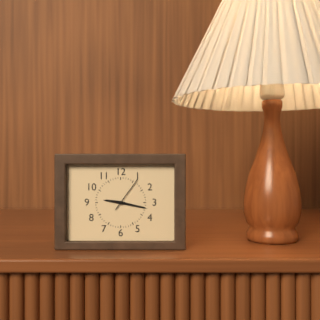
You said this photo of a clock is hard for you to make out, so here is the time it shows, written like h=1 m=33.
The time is h=9 m=17
